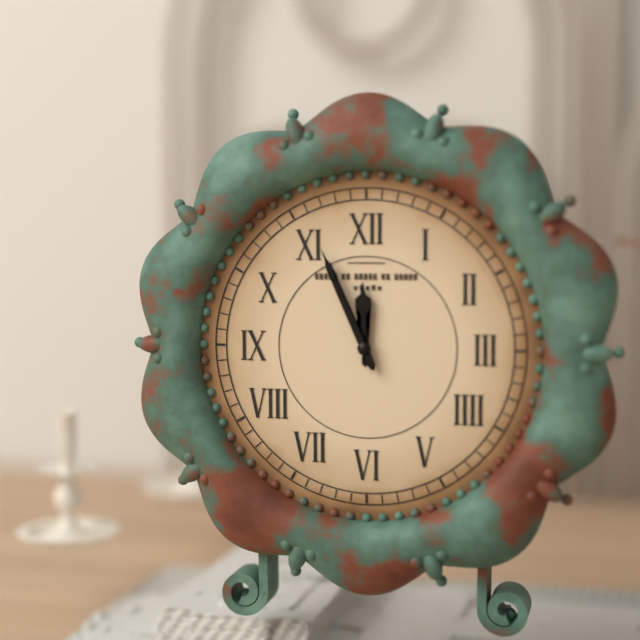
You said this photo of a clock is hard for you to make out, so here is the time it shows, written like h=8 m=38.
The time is h=11 m=56
